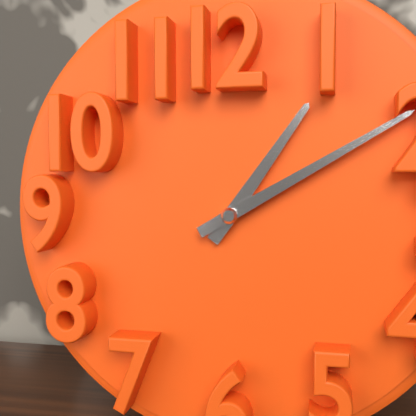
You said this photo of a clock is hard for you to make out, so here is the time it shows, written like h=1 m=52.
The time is h=1 m=10
